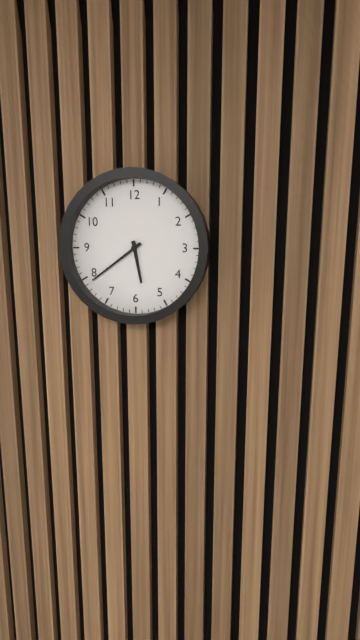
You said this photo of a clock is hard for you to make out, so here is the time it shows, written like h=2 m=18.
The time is h=5 m=39
